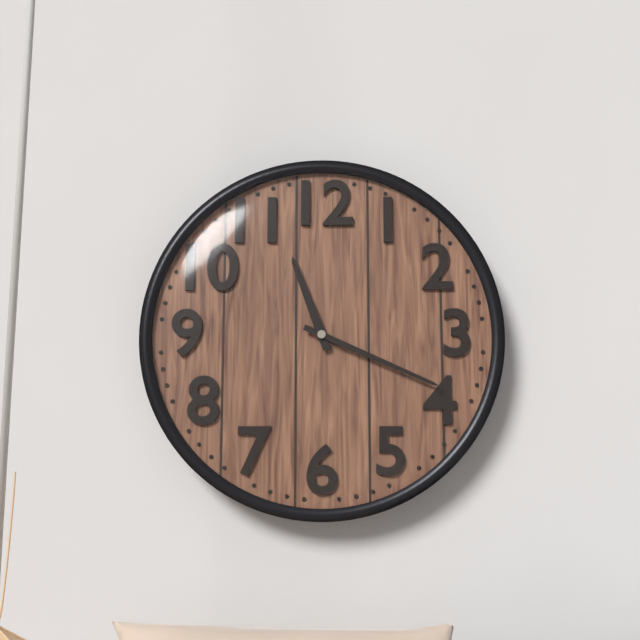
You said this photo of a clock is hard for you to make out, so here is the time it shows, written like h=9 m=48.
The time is h=11 m=19
